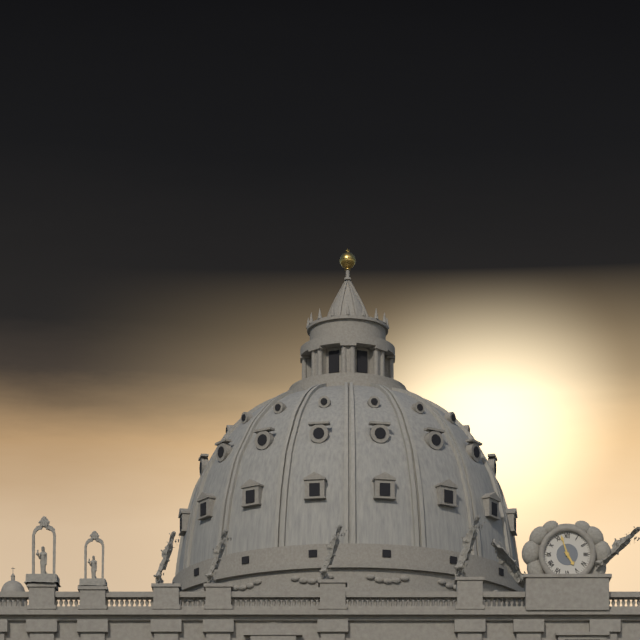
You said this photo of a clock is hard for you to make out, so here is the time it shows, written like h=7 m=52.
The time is h=4 m=57
